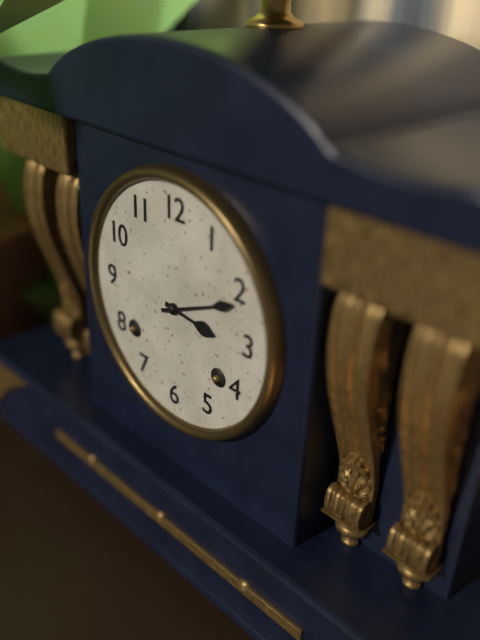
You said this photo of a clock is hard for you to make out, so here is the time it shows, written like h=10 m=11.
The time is h=3 m=11
